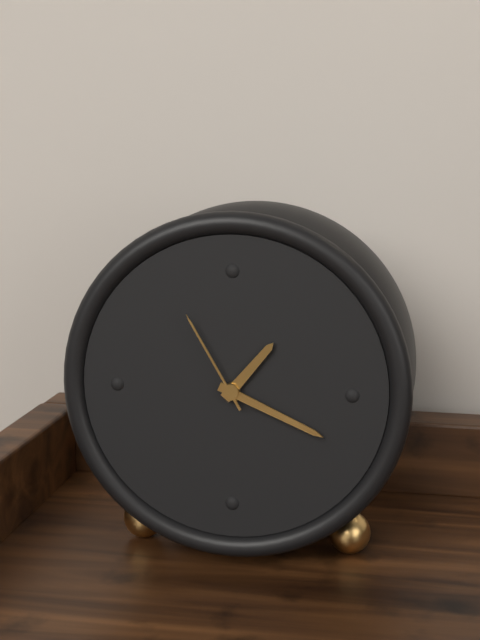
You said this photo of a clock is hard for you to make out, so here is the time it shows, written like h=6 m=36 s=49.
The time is h=1 m=19 s=55
